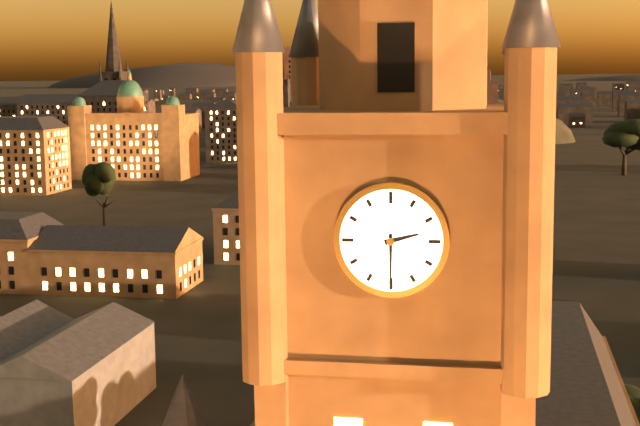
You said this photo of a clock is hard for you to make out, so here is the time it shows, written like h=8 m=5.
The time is h=2 m=30
